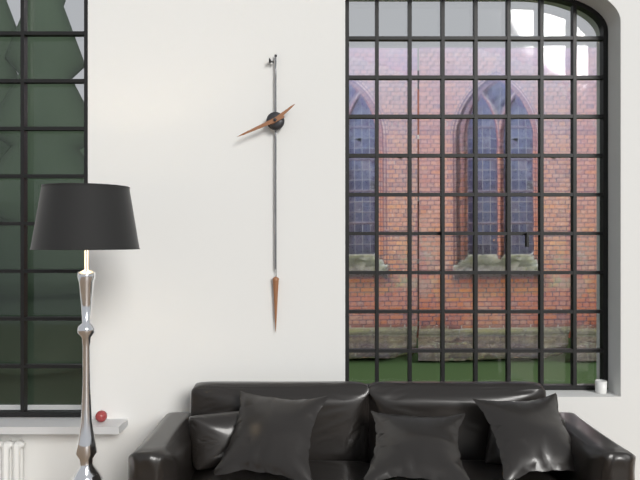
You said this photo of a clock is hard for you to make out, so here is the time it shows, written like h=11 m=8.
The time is h=1 m=41
